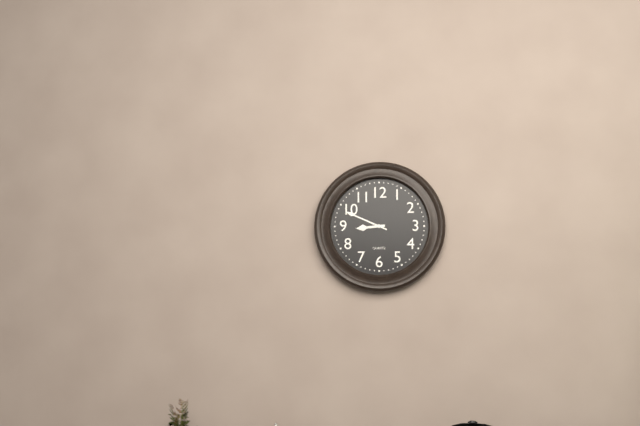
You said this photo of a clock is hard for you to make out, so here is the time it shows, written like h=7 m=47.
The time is h=8 m=49
